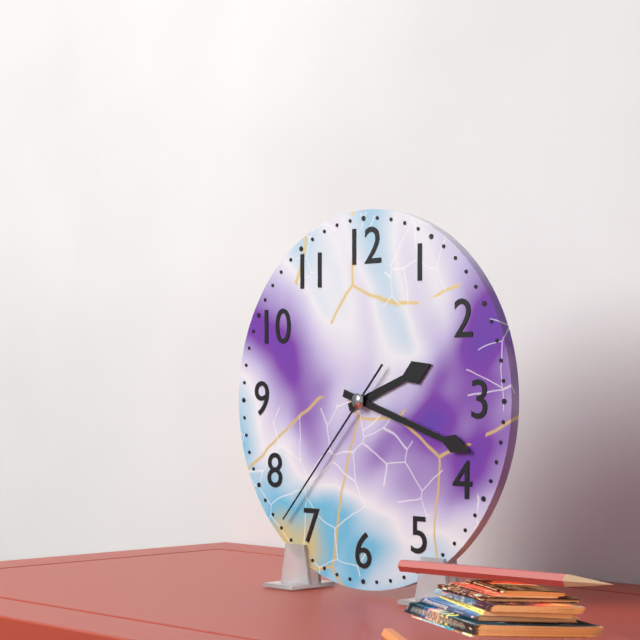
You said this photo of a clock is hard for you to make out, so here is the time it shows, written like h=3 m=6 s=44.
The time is h=2 m=18 s=37
